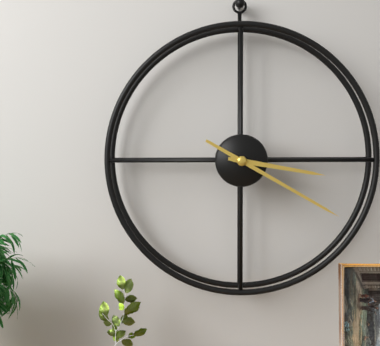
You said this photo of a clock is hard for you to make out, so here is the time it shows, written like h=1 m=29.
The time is h=3 m=20
